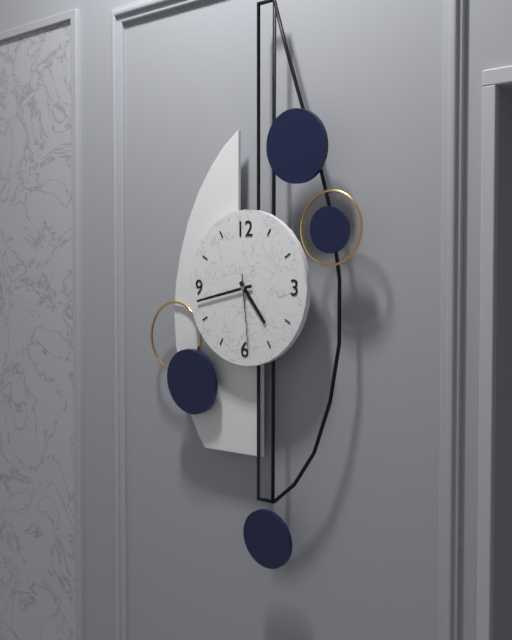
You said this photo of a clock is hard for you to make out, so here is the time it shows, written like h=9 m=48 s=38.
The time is h=4 m=43 s=29
